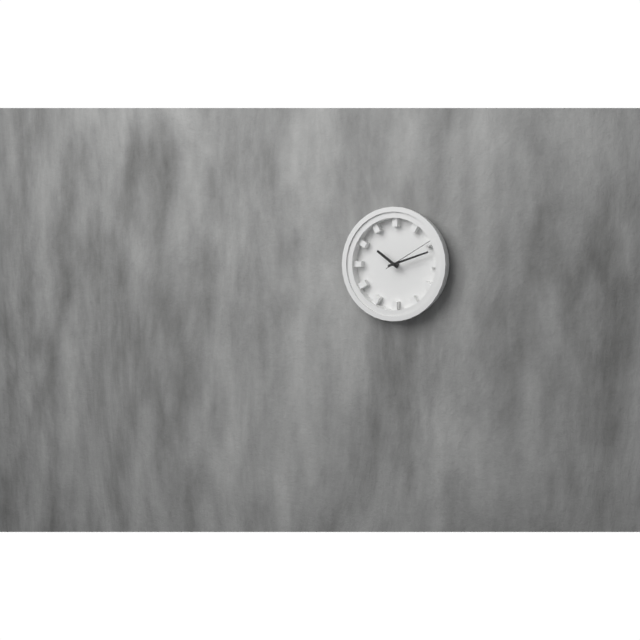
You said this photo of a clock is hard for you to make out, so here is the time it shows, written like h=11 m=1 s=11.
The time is h=10 m=12 s=10
